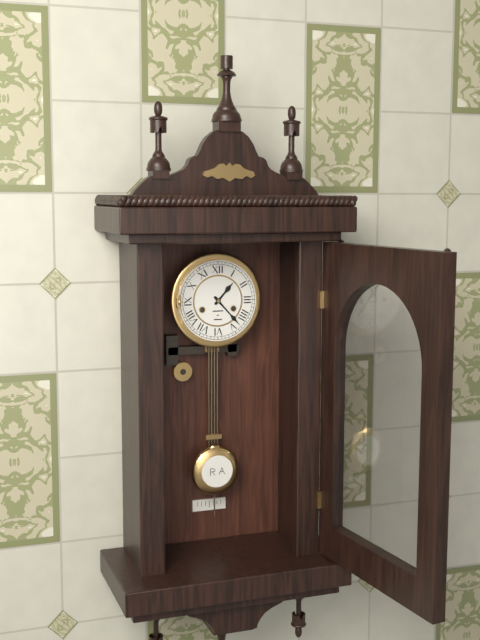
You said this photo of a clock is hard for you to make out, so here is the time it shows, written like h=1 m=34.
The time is h=1 m=23
